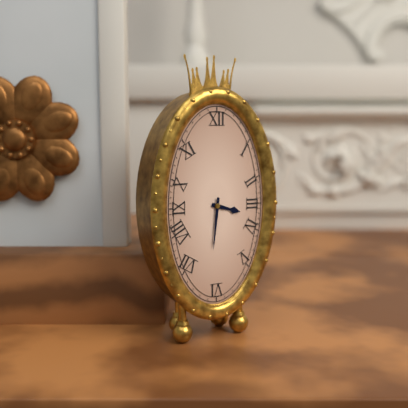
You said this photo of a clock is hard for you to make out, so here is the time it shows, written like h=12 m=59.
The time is h=3 m=31
